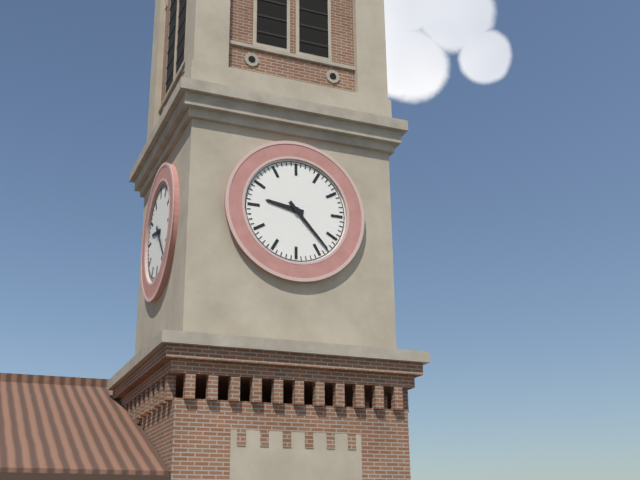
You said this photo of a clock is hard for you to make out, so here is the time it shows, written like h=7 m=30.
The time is h=9 m=23
